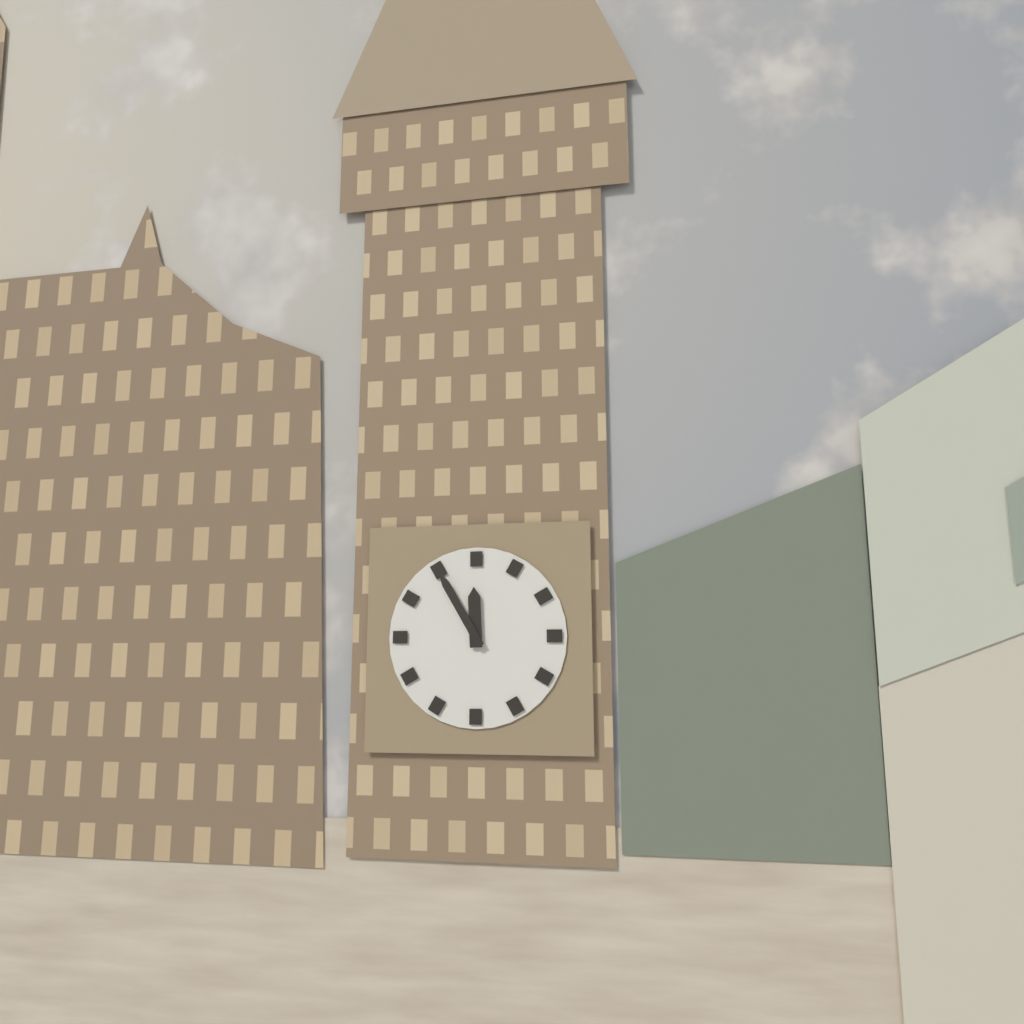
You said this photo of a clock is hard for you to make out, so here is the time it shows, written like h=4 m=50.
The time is h=11 m=55
